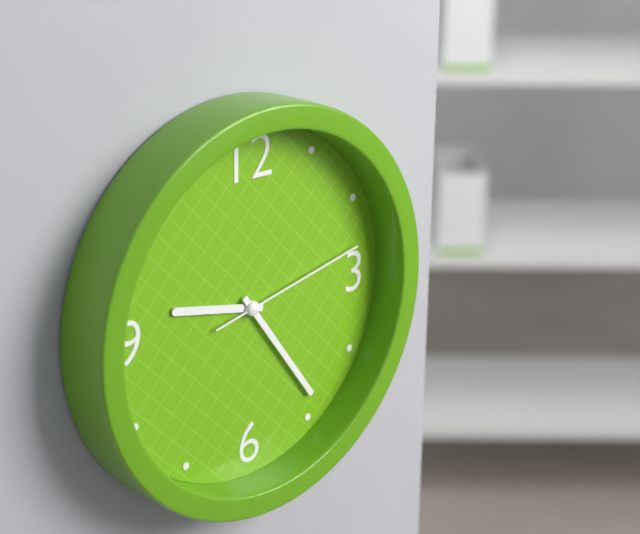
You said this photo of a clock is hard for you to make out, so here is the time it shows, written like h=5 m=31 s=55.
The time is h=9 m=24 s=13
